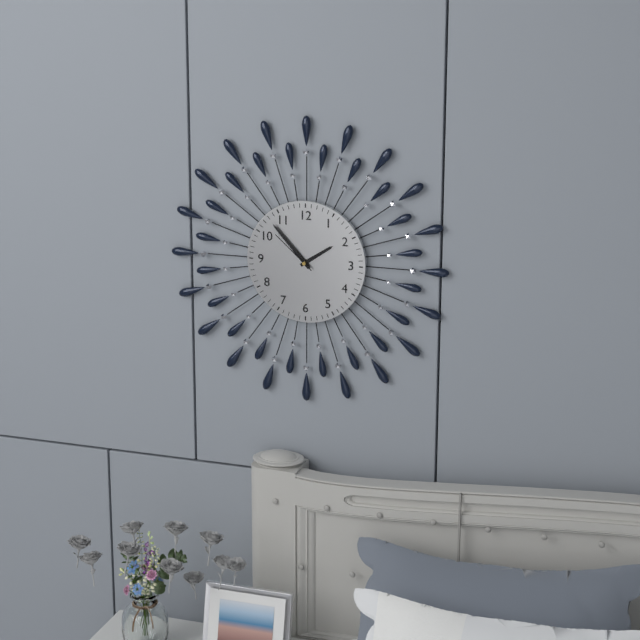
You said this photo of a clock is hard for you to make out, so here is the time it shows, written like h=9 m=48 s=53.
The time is h=1 m=53 s=52
